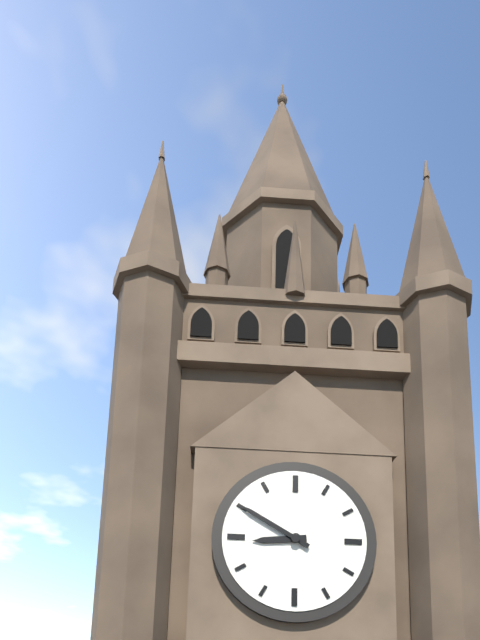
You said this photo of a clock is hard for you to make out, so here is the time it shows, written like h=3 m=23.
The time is h=8 m=50
